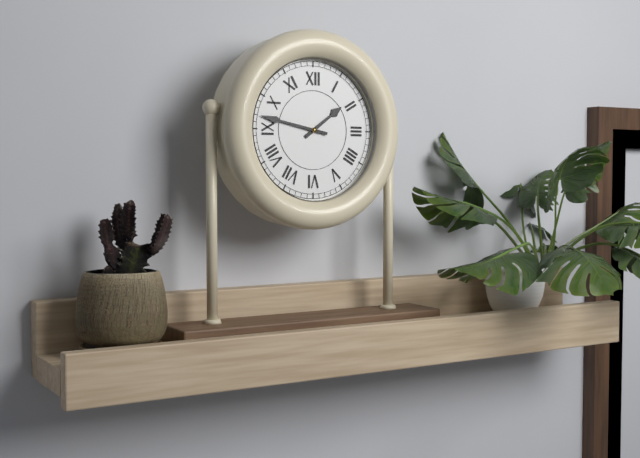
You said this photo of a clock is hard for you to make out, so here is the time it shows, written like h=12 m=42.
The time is h=1 m=47
